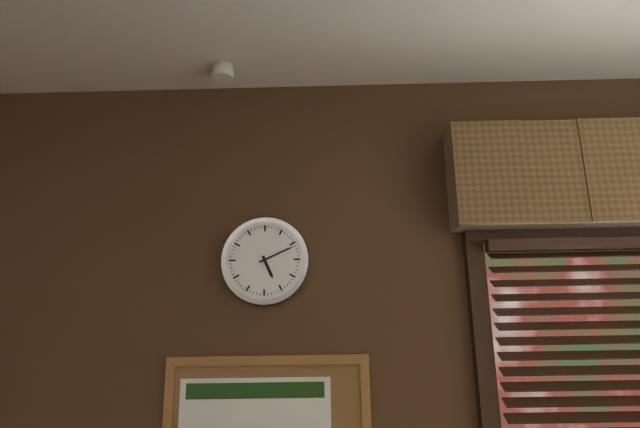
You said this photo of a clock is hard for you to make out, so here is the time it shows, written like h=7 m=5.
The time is h=5 m=11
